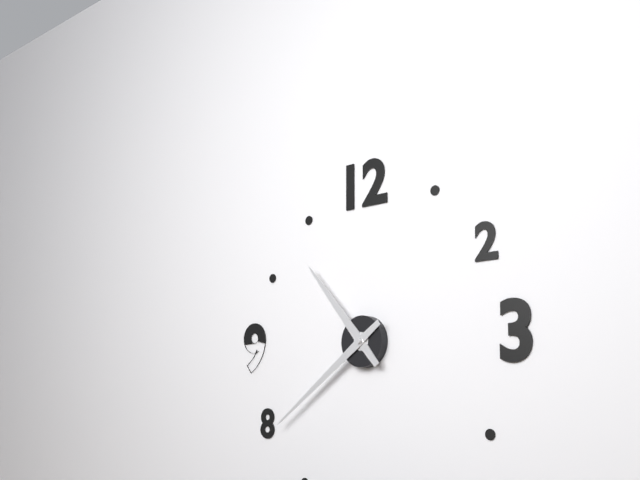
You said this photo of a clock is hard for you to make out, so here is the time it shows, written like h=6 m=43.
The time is h=10 m=39
